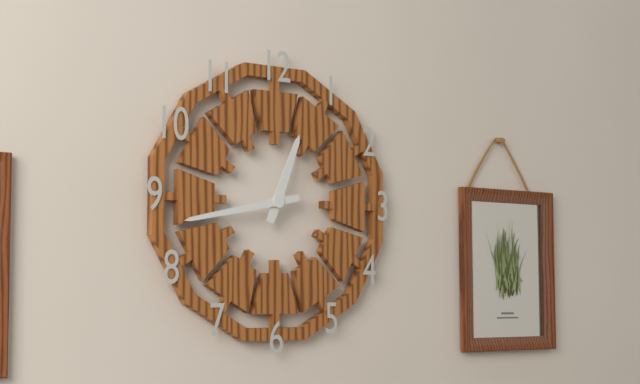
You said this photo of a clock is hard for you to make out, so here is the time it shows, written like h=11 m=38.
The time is h=12 m=43
